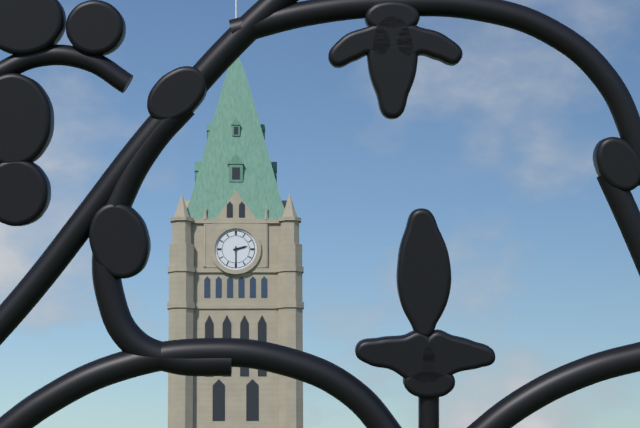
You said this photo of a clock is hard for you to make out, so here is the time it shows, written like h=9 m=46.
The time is h=2 m=30
